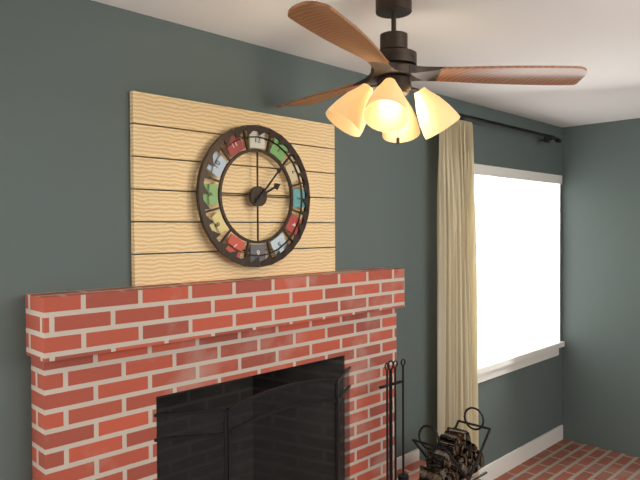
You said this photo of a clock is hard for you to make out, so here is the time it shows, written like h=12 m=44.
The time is h=2 m=7
